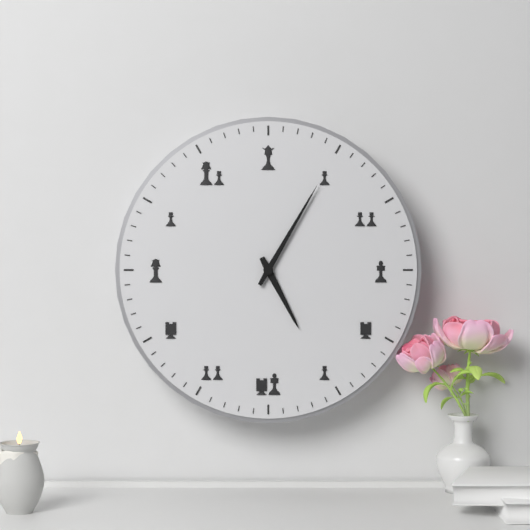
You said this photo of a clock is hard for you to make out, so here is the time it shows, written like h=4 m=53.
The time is h=5 m=5
